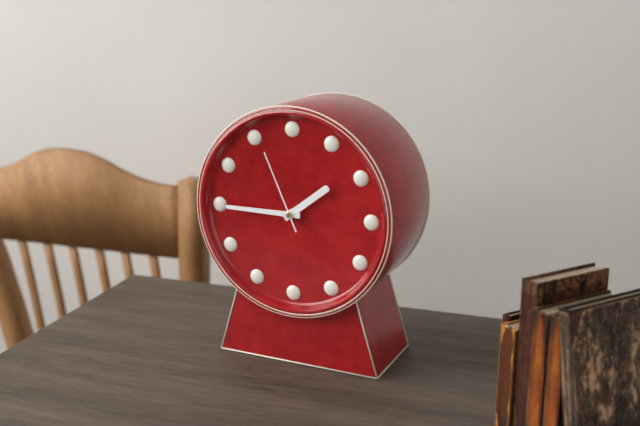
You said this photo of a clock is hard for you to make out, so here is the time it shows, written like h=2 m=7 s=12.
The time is h=1 m=45 s=56
